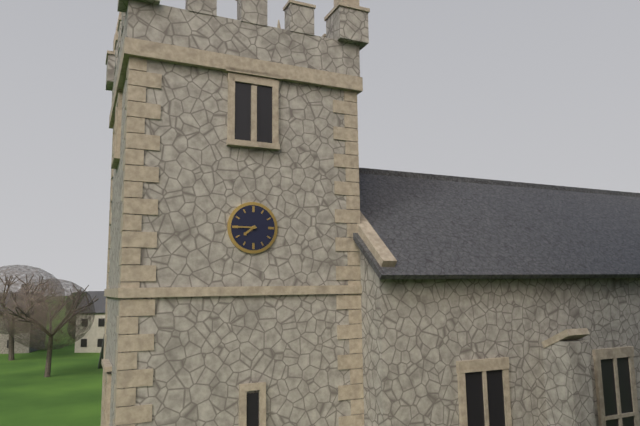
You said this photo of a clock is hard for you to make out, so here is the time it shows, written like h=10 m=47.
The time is h=7 m=45
